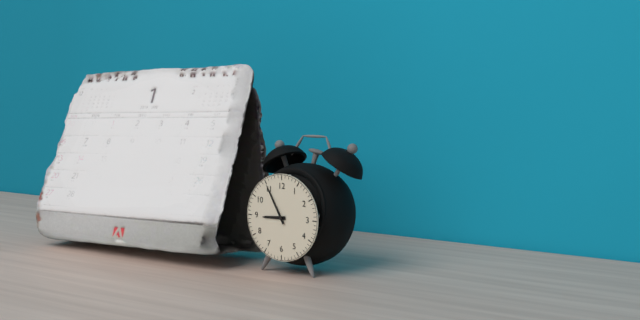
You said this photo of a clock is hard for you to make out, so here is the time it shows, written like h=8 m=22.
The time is h=8 m=55
